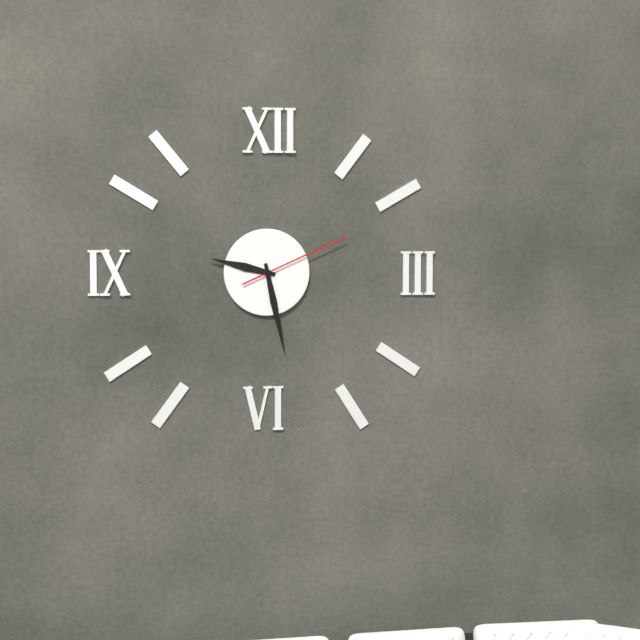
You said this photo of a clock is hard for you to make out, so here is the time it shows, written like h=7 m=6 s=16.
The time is h=9 m=28 s=11
